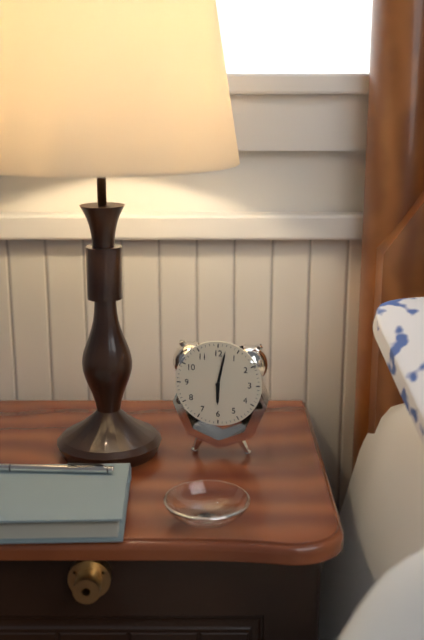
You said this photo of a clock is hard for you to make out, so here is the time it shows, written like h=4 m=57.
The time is h=6 m=2
